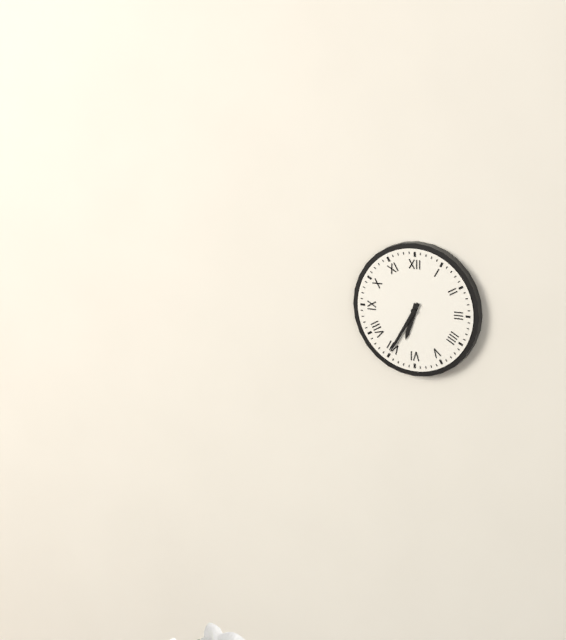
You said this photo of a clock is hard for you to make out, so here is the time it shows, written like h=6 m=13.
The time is h=6 m=35
